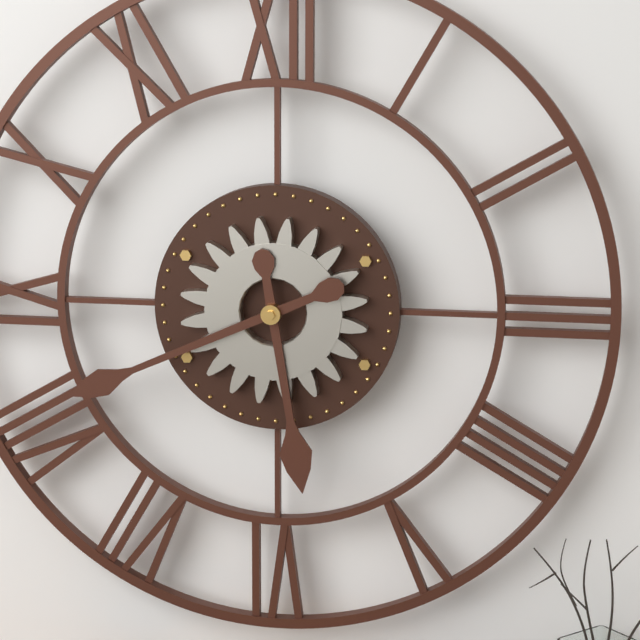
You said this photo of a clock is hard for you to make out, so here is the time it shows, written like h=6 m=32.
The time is h=5 m=41
